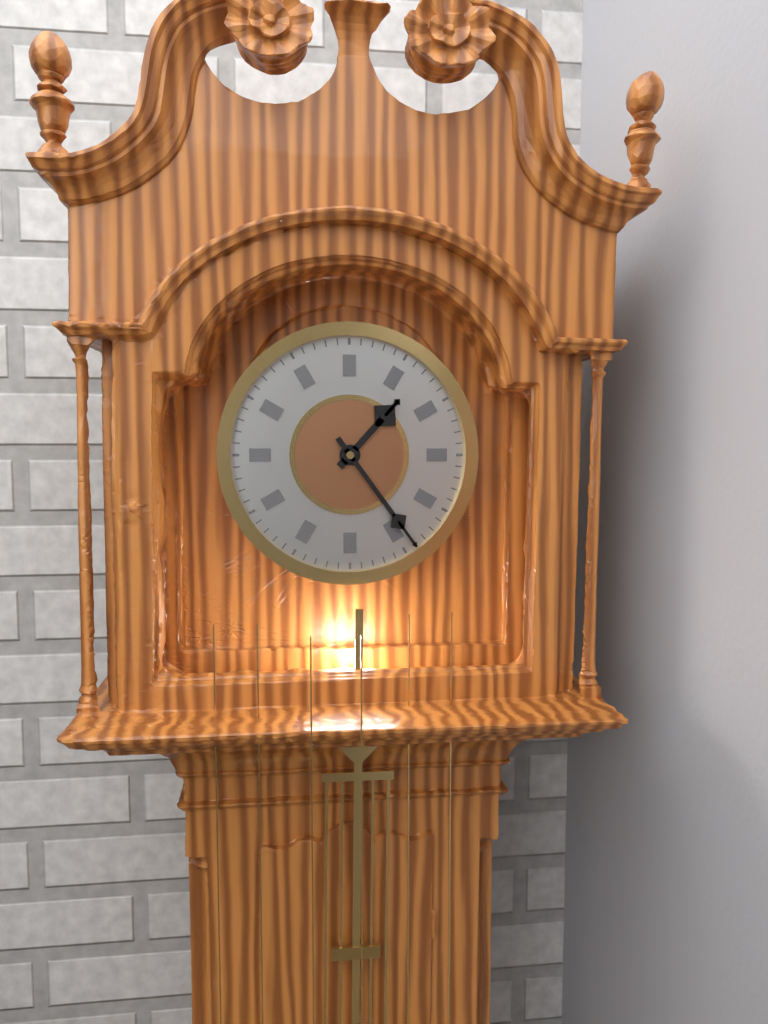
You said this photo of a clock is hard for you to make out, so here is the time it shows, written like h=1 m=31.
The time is h=1 m=24
